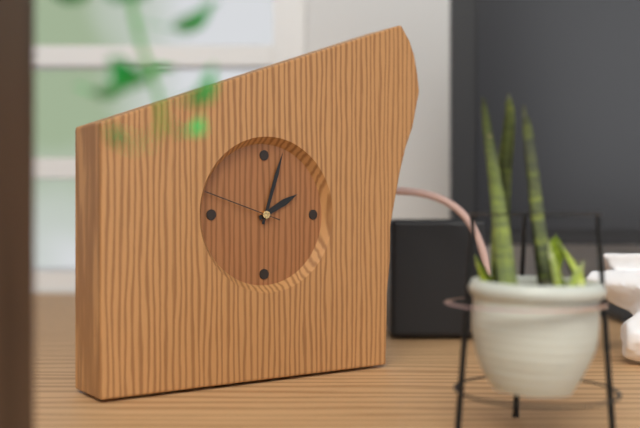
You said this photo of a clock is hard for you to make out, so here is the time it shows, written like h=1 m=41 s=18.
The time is h=2 m=3 s=48
